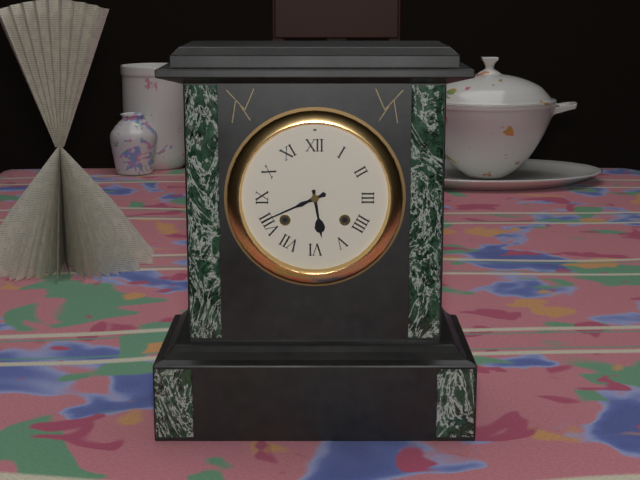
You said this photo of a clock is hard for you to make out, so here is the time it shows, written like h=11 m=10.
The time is h=5 m=41
